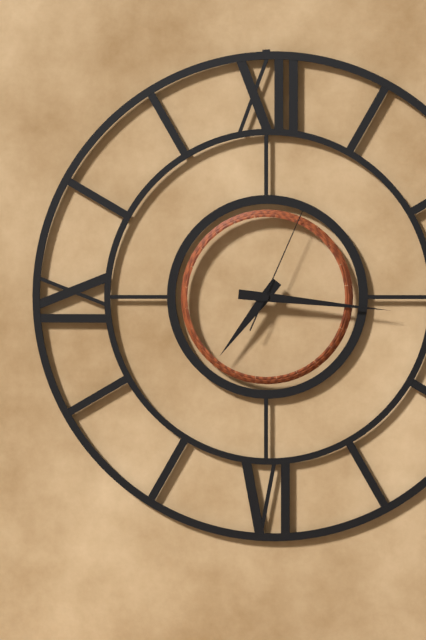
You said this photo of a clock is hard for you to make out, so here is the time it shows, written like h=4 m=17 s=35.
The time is h=7 m=16 s=4
